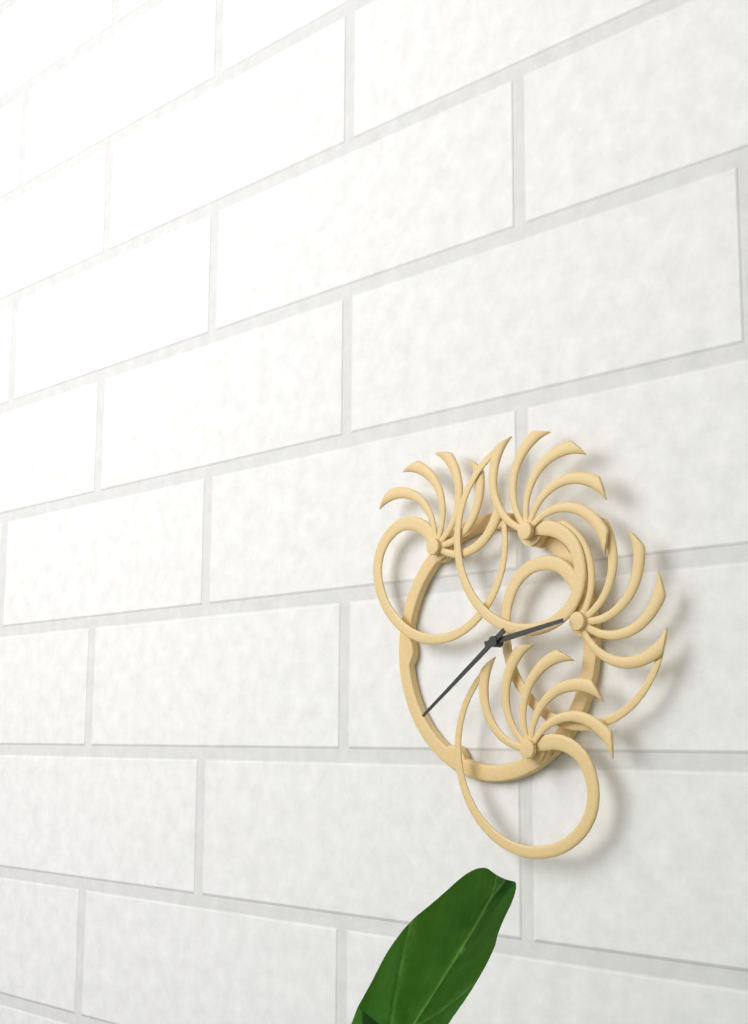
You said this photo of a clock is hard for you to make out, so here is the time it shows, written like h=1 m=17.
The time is h=2 m=39
